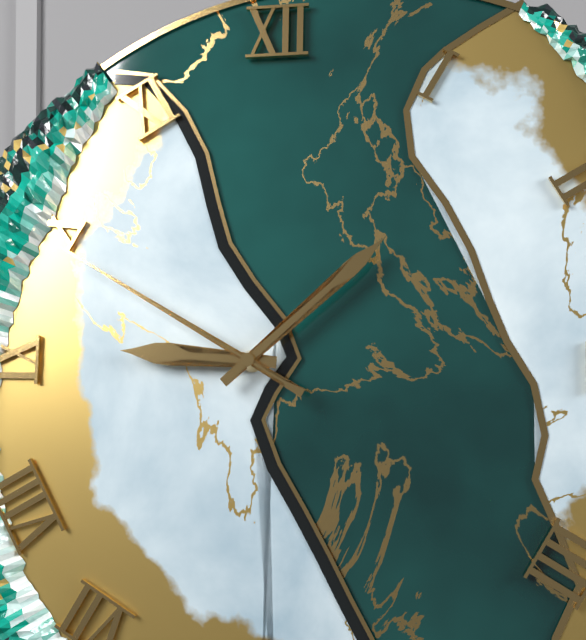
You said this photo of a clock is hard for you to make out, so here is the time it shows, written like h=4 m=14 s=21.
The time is h=9 m=8 s=50
